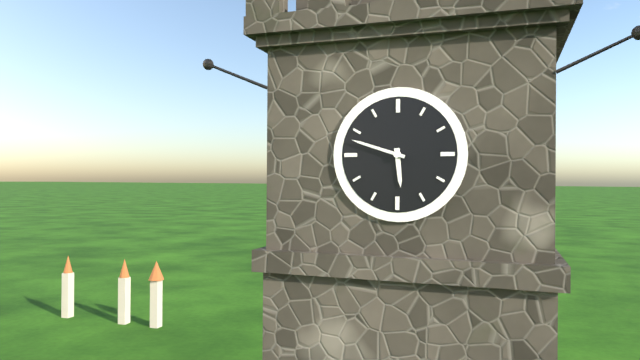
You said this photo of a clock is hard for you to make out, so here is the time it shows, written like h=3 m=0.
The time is h=5 m=48
